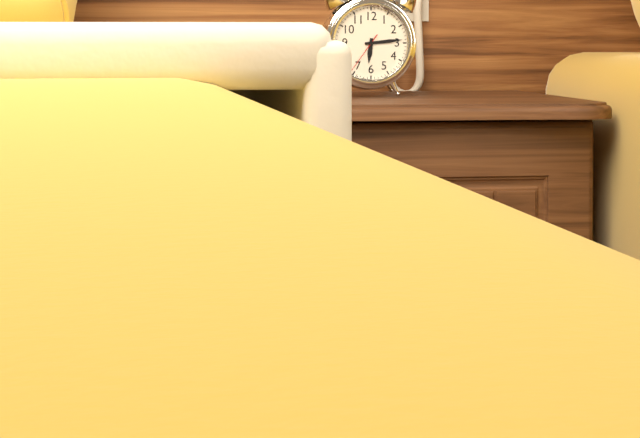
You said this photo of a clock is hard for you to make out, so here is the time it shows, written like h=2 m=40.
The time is h=6 m=14
